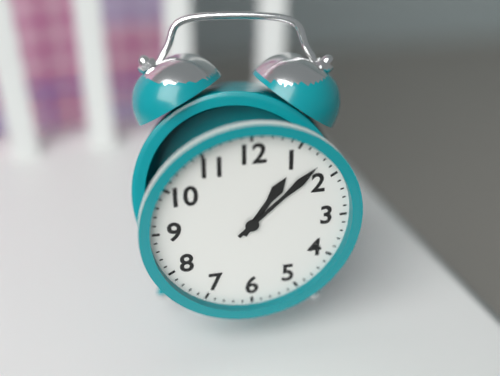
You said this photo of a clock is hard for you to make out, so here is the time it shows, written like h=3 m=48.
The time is h=1 m=8
